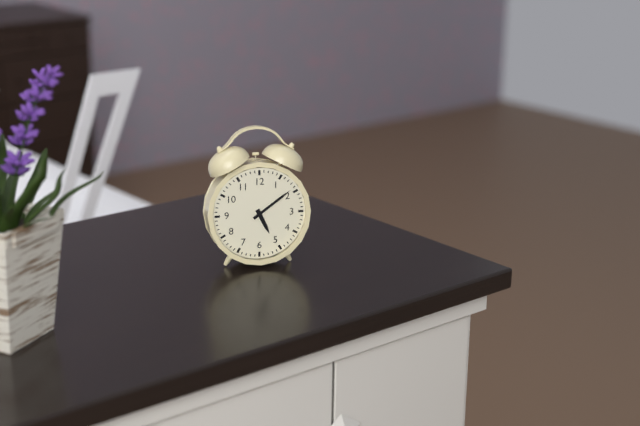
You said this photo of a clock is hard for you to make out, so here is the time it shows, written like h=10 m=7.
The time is h=5 m=9
